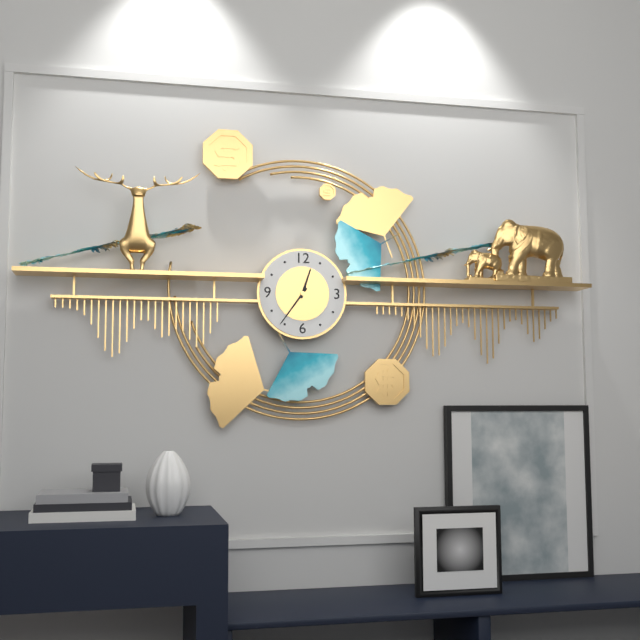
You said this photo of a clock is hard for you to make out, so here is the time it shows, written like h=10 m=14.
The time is h=12 m=36
